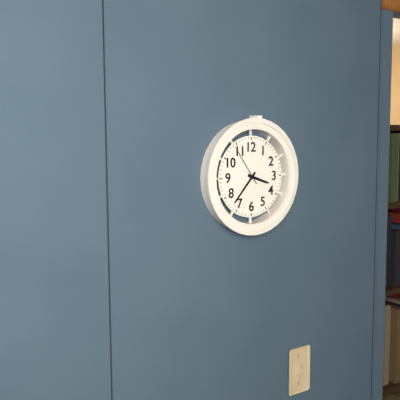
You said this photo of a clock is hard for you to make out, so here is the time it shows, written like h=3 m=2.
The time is h=3 m=37
